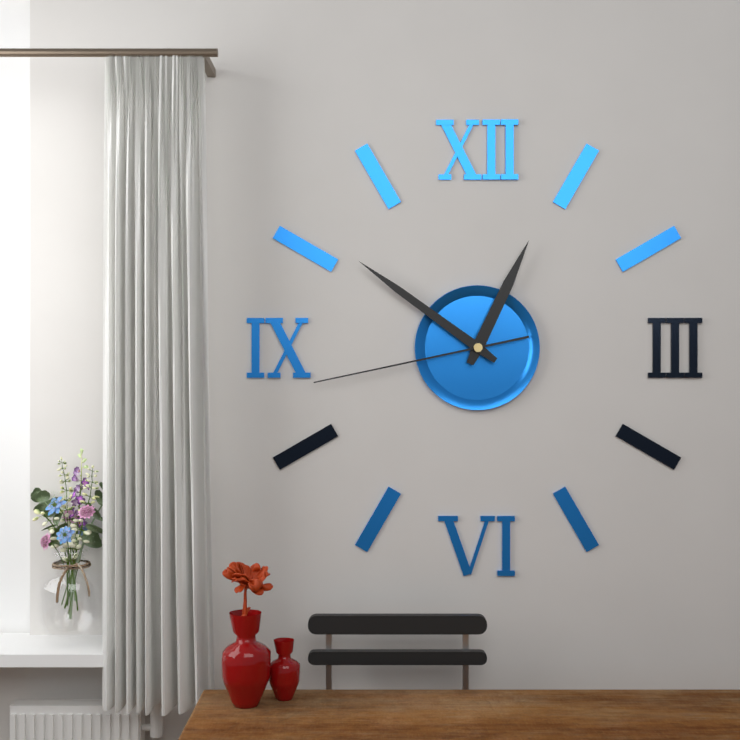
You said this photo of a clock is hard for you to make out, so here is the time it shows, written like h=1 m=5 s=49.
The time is h=12 m=51 s=43
